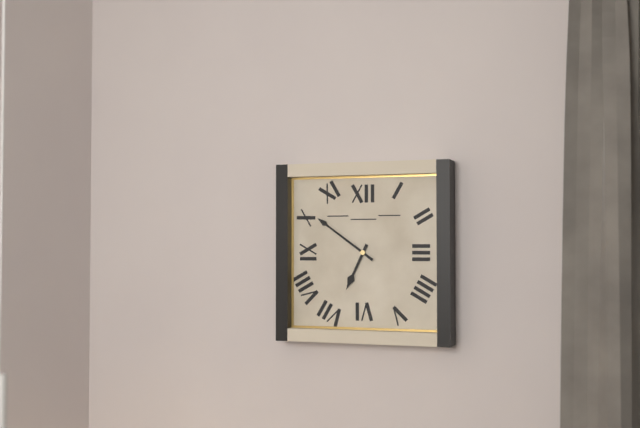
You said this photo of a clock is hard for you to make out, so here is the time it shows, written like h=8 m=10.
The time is h=6 m=51
